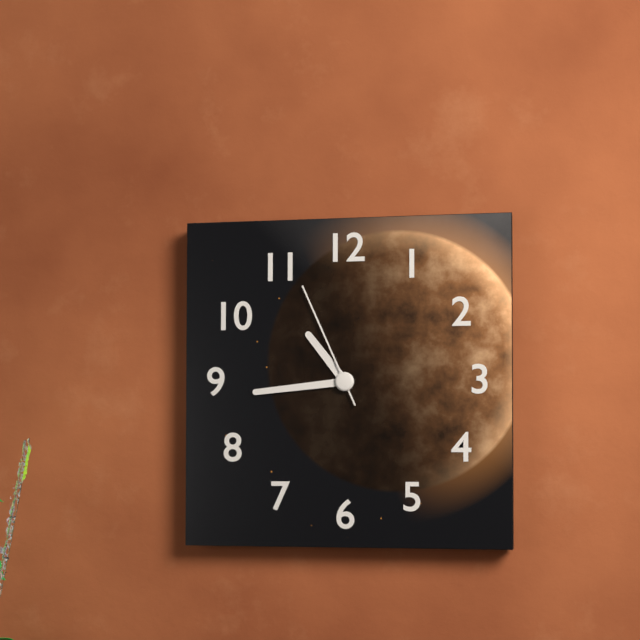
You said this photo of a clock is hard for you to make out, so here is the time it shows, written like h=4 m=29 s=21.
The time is h=10 m=44 s=56
